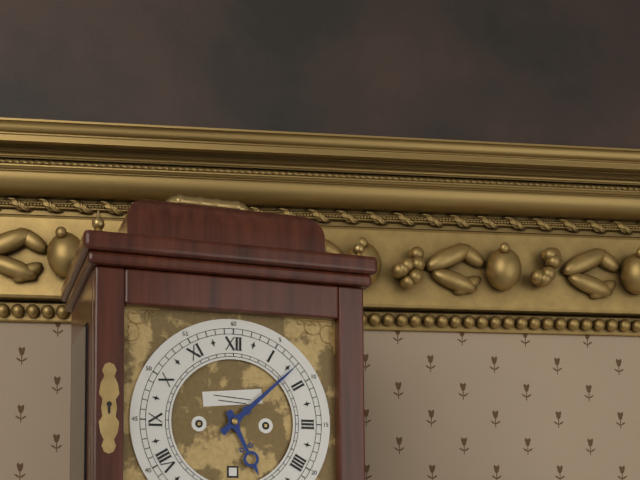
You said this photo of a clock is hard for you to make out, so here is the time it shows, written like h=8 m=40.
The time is h=5 m=8
